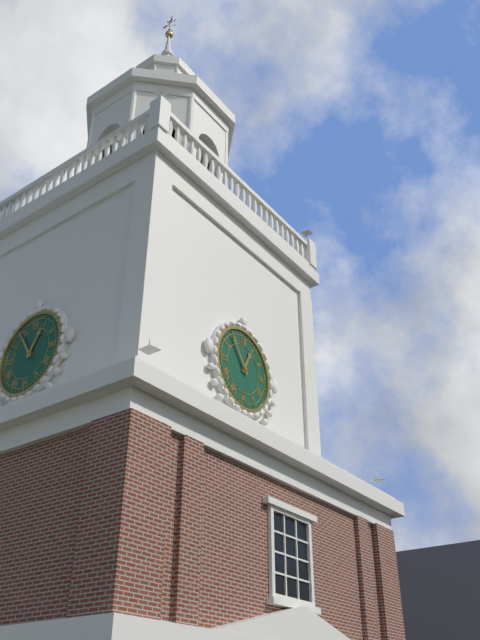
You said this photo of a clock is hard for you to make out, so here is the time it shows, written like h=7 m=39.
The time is h=12 m=54
